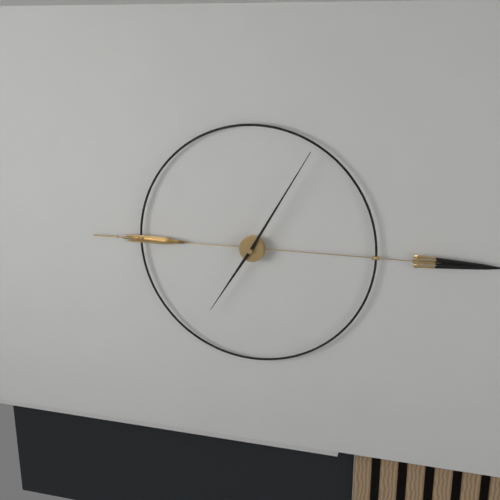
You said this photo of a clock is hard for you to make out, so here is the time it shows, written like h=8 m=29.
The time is h=7 m=5
